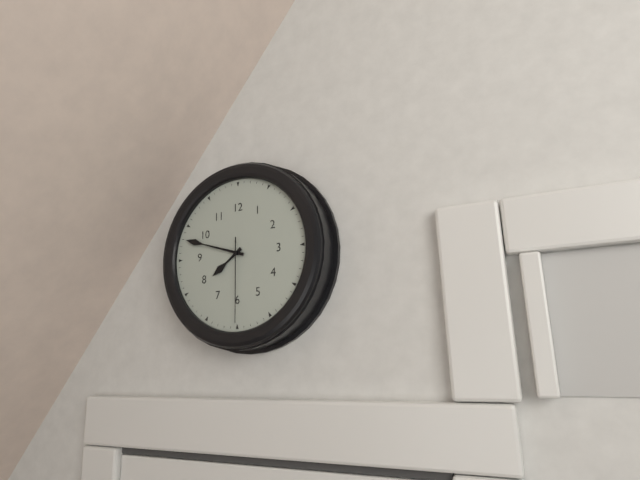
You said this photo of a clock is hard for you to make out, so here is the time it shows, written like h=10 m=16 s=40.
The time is h=7 m=48 s=30
